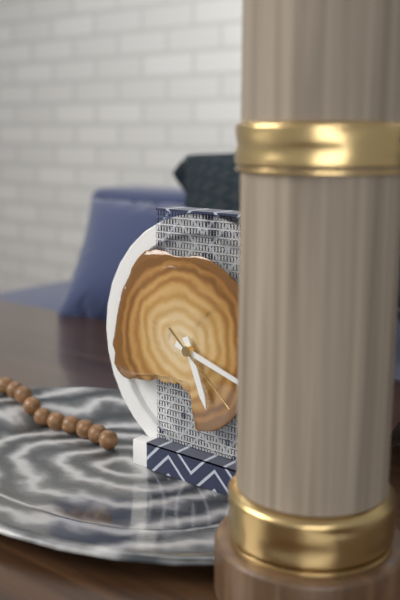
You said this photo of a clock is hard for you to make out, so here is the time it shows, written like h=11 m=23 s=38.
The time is h=5 m=18 s=22
